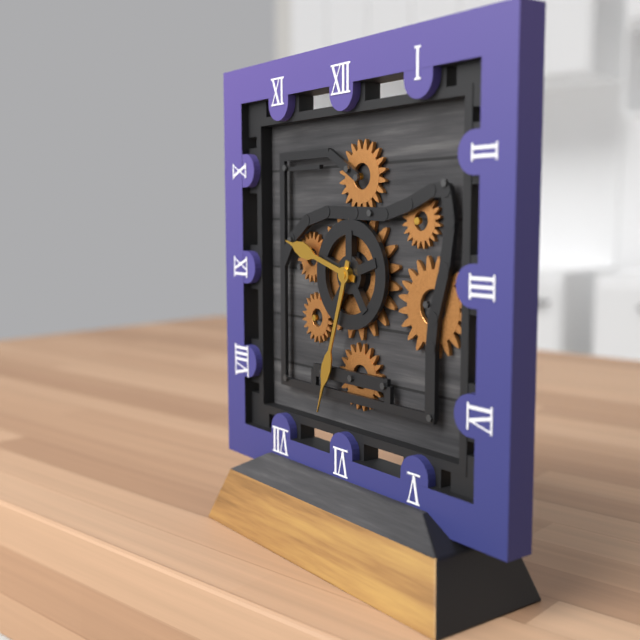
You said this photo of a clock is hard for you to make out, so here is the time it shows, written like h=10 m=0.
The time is h=9 m=33
